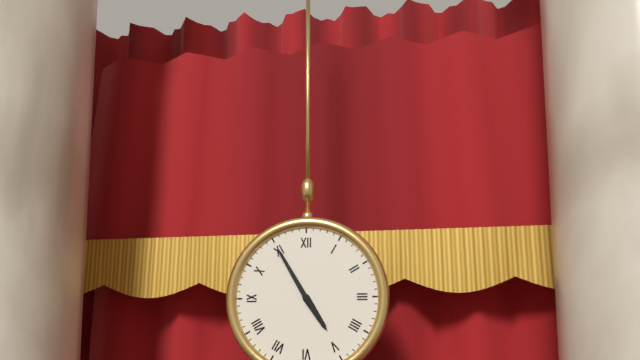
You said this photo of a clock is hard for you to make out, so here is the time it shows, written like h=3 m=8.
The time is h=4 m=55
